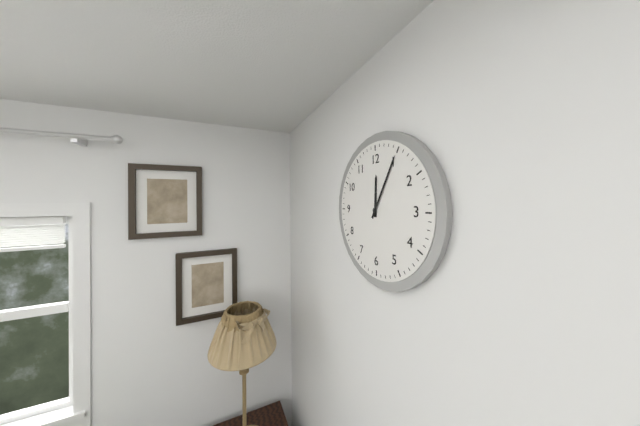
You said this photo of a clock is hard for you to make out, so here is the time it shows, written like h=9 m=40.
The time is h=12 m=5
